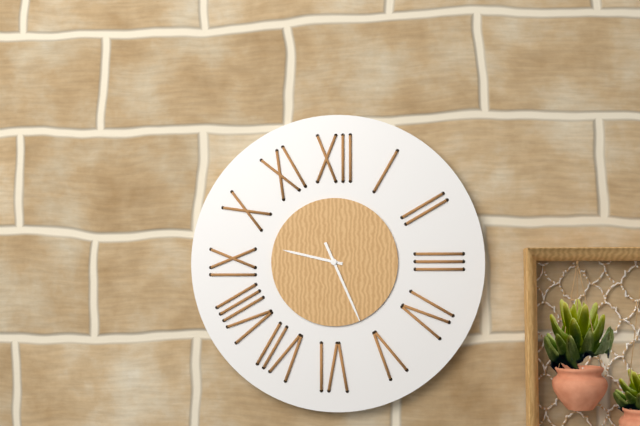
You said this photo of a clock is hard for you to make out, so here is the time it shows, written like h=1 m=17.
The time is h=9 m=26
